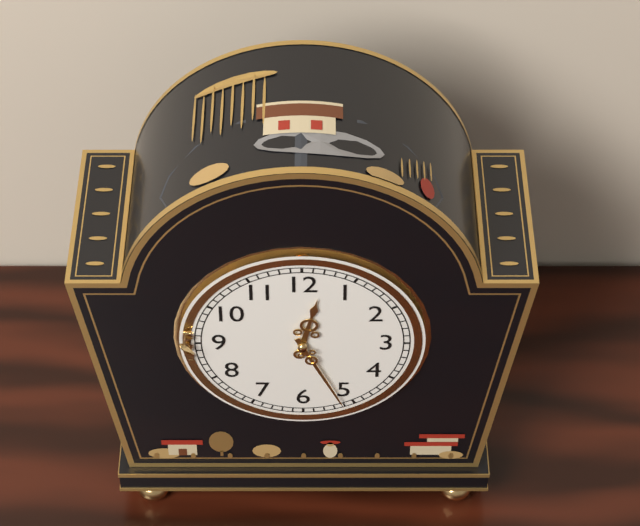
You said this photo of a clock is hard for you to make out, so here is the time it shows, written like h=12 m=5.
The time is h=12 m=26
